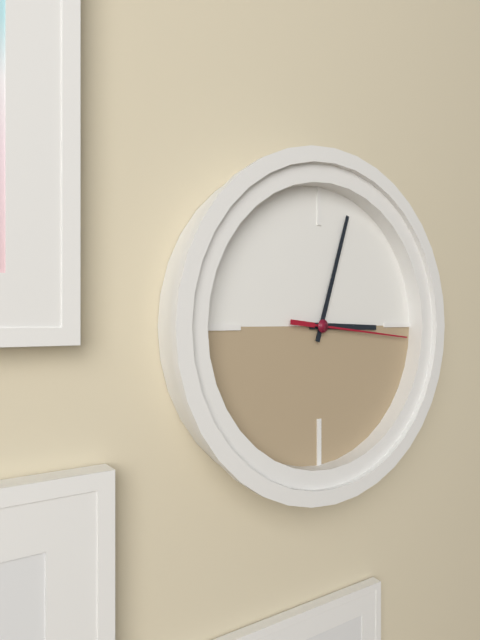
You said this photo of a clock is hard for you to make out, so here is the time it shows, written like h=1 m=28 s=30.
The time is h=3 m=3 s=16
